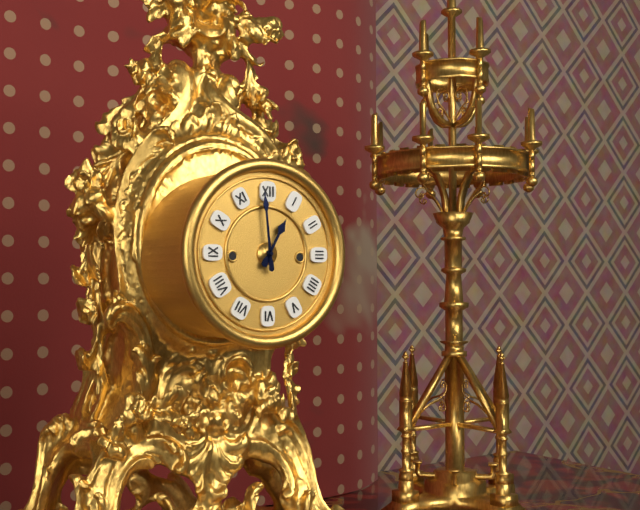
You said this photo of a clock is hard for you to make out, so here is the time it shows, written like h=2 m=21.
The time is h=12 m=59
